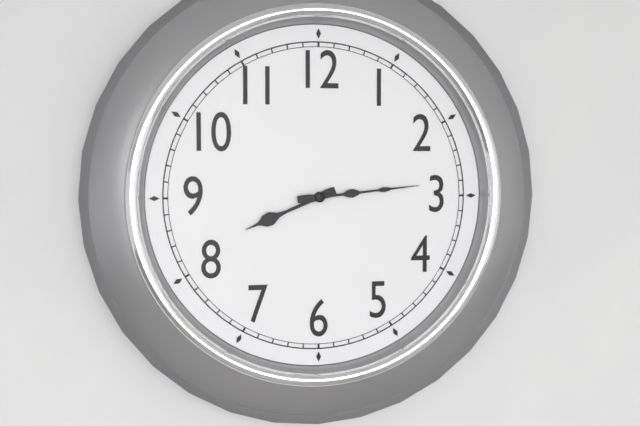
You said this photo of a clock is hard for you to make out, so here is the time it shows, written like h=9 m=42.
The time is h=8 m=14
